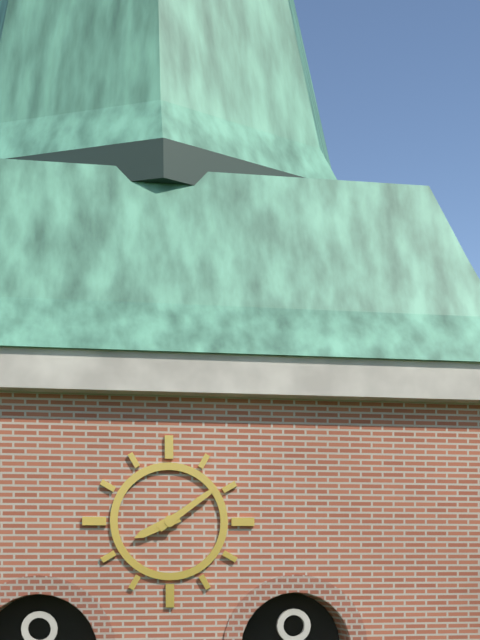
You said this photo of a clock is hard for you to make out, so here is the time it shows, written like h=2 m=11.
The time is h=8 m=9
